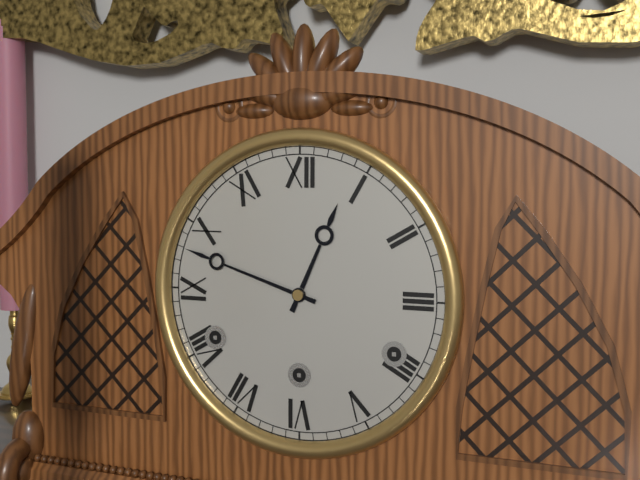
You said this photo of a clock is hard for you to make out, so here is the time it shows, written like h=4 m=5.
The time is h=12 m=48
